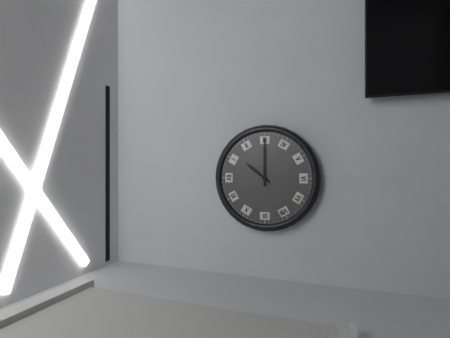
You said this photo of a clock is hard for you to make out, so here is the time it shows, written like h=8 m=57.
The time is h=1 m=15
